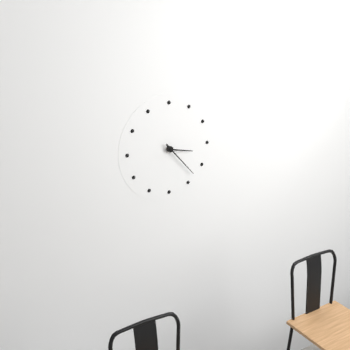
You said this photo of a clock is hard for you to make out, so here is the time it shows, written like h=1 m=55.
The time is h=3 m=23
